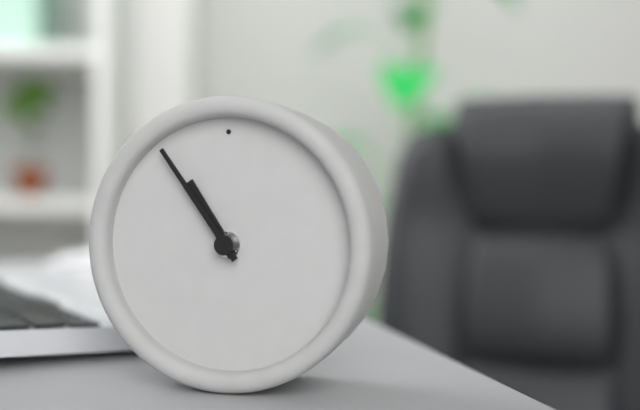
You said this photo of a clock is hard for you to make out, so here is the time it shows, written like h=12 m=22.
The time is h=10 m=54
